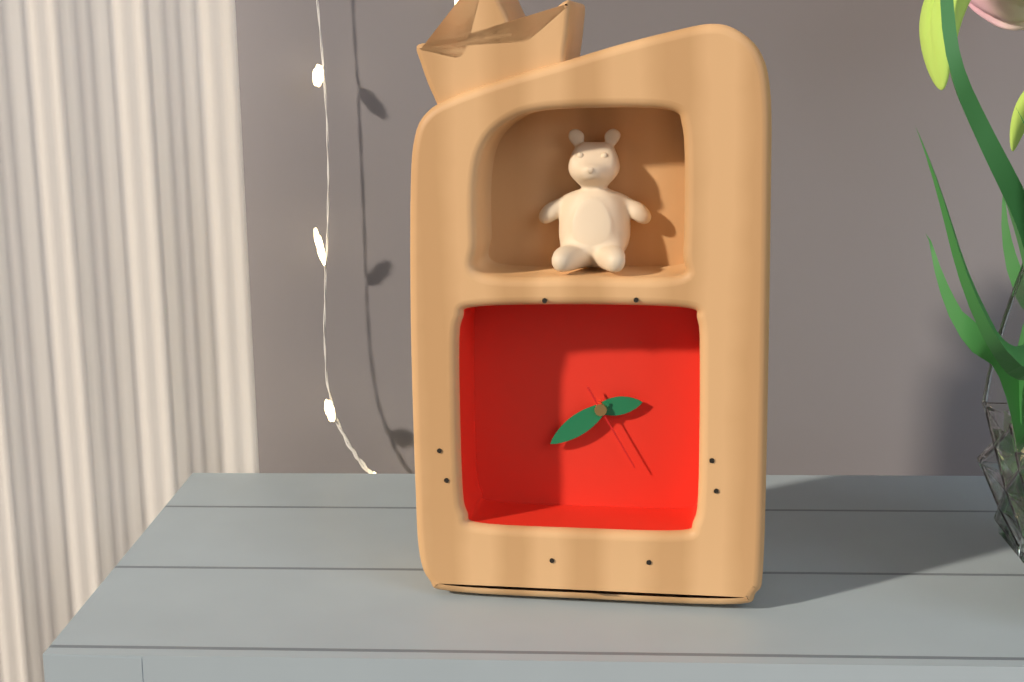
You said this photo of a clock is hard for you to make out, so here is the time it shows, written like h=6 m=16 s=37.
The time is h=2 m=39 s=25
